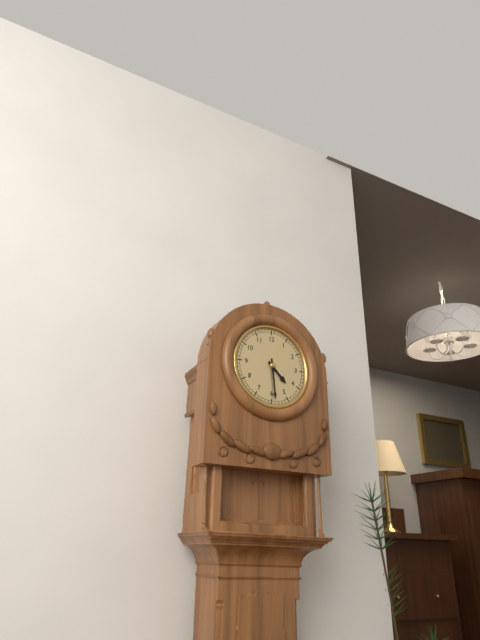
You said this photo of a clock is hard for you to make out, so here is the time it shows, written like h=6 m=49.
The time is h=4 m=29
